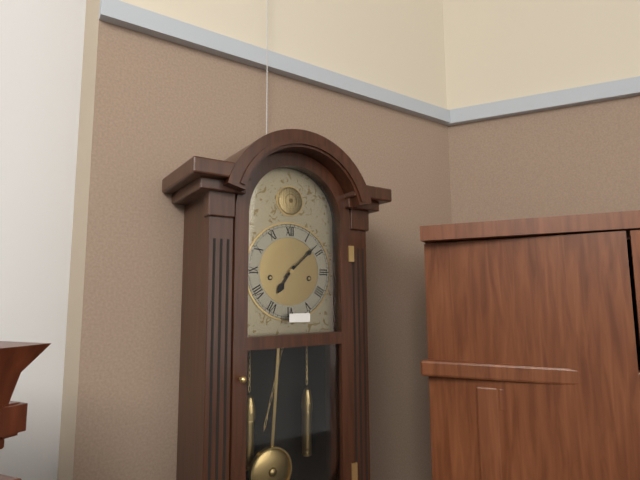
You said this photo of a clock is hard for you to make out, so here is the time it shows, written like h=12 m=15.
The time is h=7 m=8
